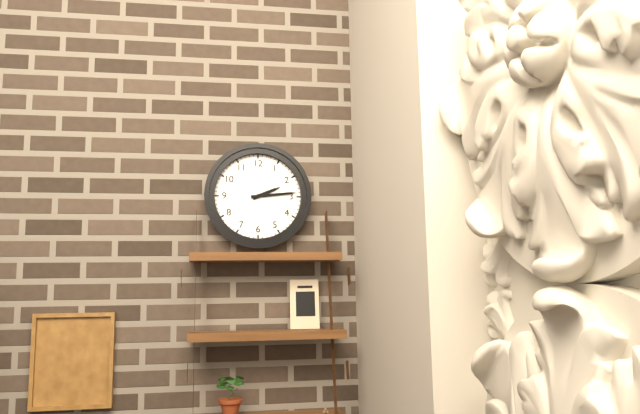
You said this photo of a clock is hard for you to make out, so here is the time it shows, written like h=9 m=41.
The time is h=2 m=14
